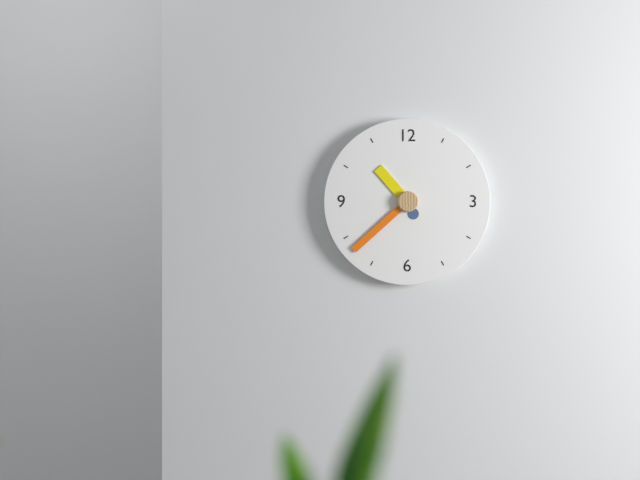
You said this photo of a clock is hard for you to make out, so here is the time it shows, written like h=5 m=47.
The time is h=10 m=38
